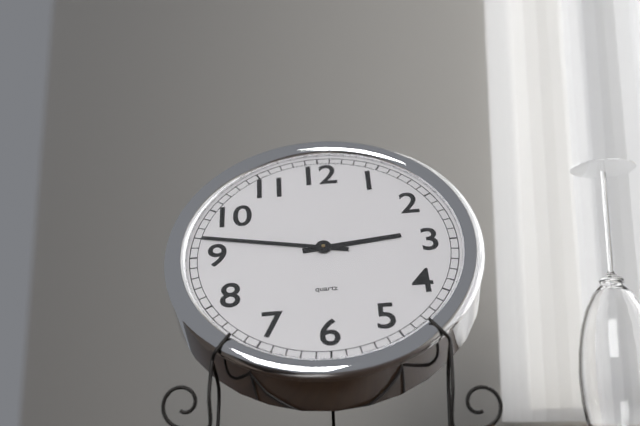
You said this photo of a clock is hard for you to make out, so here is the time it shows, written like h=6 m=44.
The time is h=2 m=47
